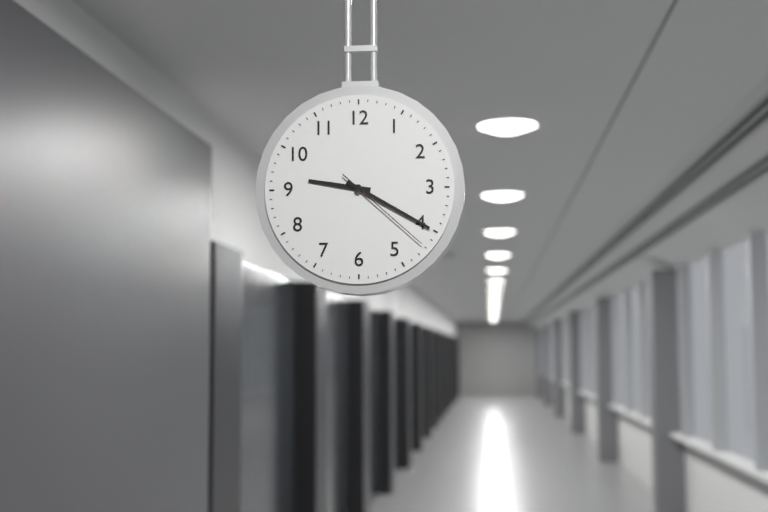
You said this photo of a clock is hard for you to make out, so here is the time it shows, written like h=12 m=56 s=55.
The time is h=9 m=20 s=22
